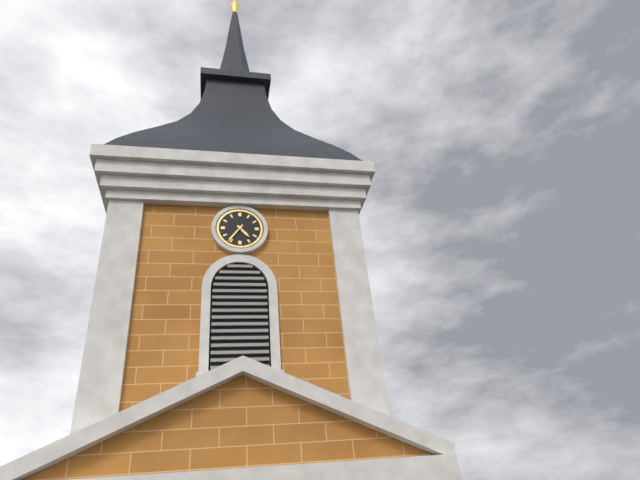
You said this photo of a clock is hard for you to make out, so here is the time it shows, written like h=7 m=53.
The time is h=4 m=36
